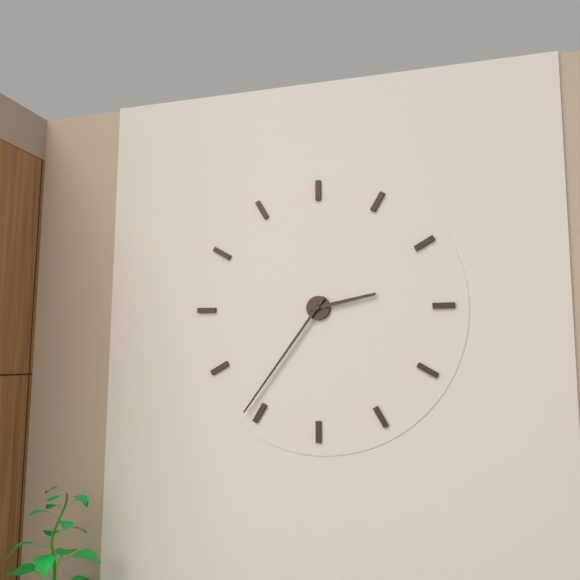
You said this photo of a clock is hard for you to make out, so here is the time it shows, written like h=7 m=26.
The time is h=2 m=36
